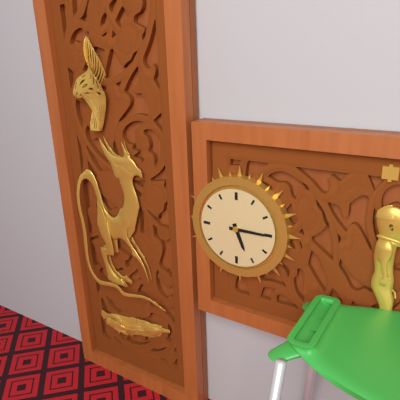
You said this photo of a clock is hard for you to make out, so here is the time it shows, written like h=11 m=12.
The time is h=5 m=15
